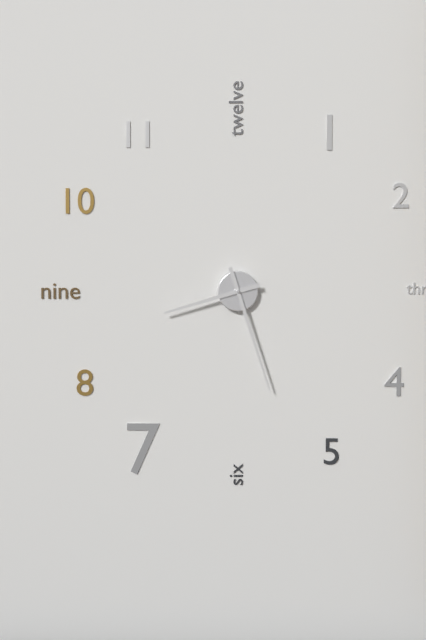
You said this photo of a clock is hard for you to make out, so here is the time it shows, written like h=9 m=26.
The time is h=8 m=27
